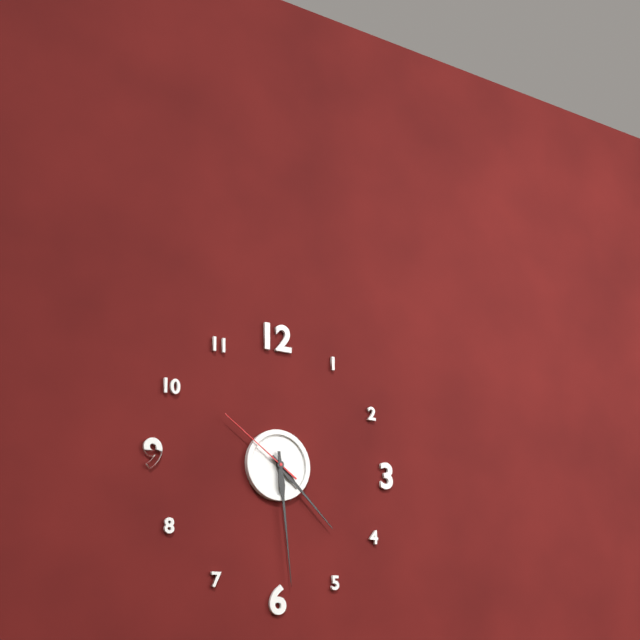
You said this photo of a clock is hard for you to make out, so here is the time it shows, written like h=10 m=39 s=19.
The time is h=4 m=29 s=51
